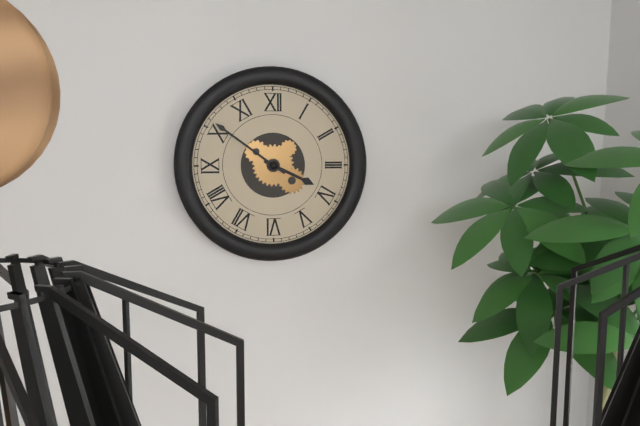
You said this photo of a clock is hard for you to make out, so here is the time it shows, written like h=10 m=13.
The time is h=3 m=51
